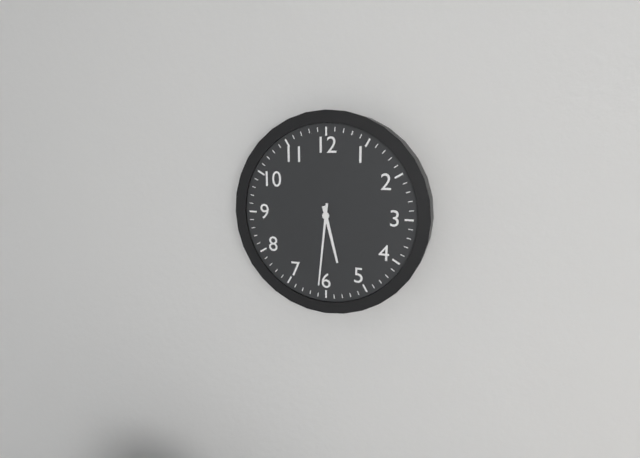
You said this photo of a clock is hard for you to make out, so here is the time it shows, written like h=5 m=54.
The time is h=5 m=31
